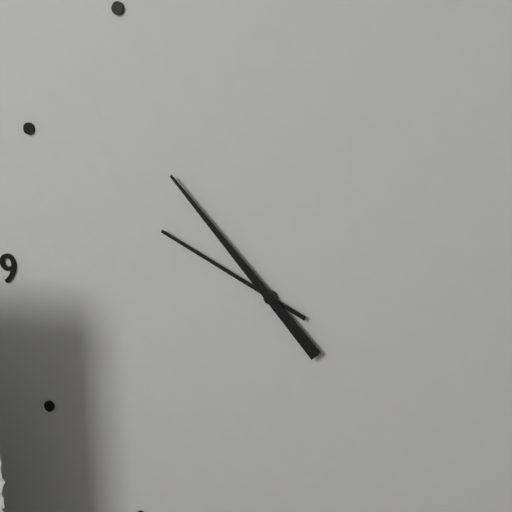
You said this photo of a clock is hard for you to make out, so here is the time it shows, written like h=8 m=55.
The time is h=9 m=53
